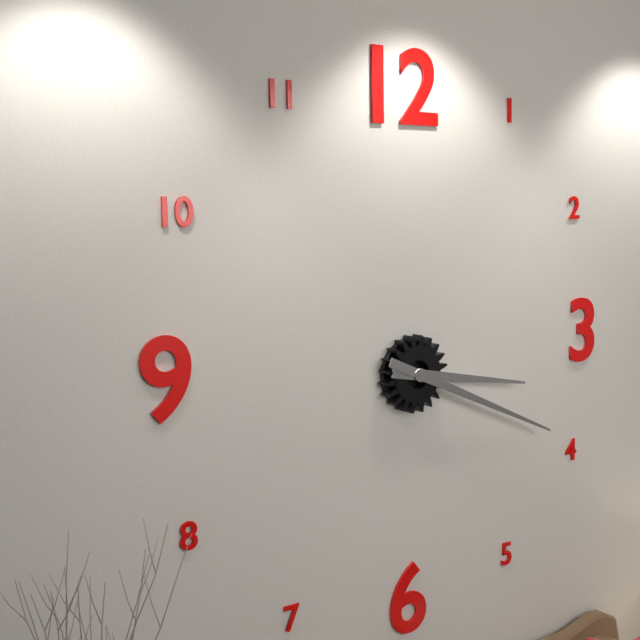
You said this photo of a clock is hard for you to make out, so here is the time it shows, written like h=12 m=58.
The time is h=3 m=19
